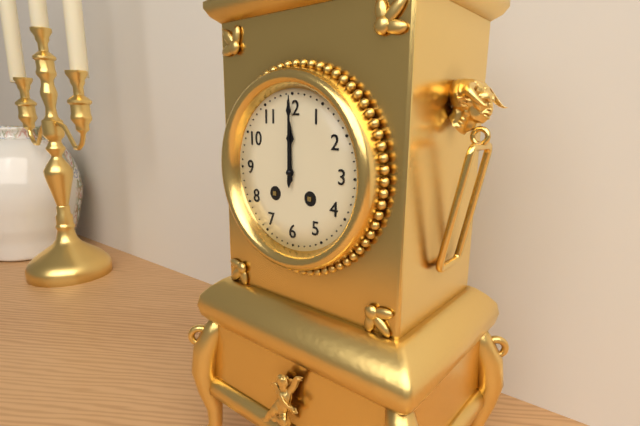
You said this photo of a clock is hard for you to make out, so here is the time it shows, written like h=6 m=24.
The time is h=12 m=0
